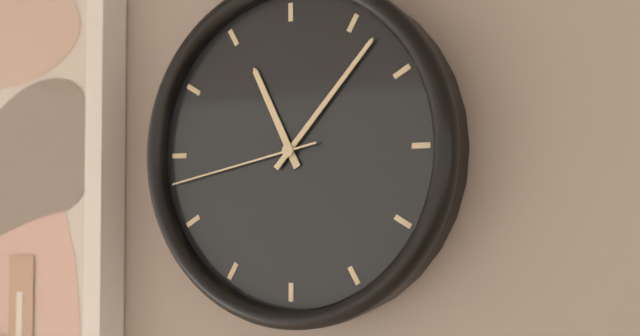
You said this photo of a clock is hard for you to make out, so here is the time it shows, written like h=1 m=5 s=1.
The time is h=11 m=7 s=43
